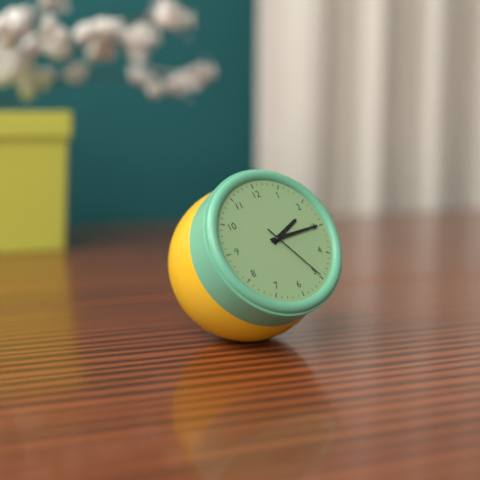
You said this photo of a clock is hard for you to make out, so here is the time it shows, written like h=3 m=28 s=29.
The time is h=2 m=15 s=25
